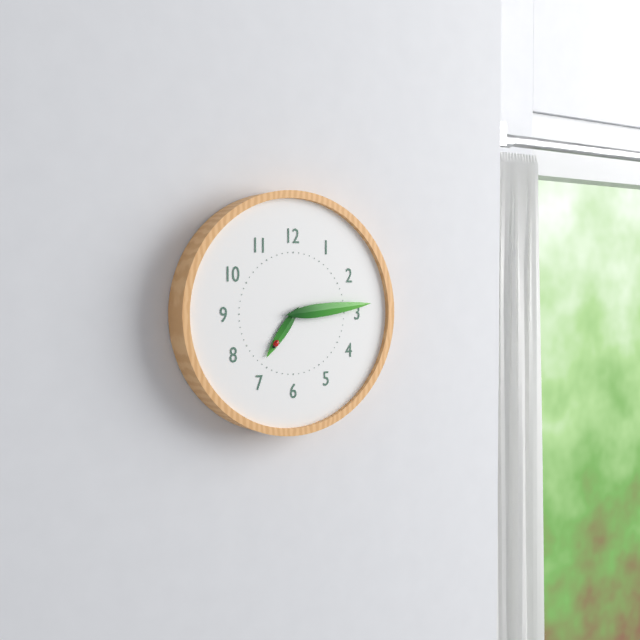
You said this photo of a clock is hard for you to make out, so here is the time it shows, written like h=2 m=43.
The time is h=7 m=14
